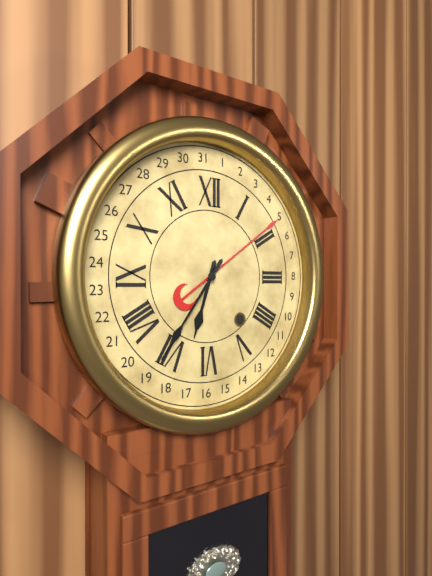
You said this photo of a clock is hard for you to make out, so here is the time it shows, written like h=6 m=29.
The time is h=6 m=36
